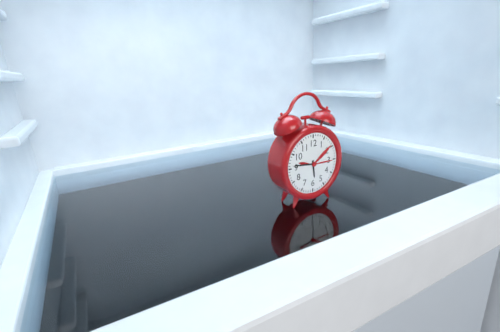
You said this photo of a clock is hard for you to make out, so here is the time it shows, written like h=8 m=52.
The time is h=5 m=46
